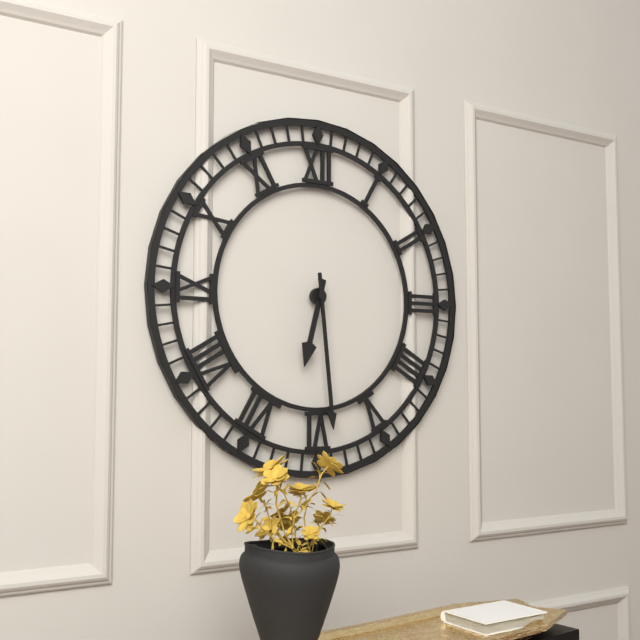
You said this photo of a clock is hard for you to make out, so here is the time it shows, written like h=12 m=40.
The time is h=6 m=29
